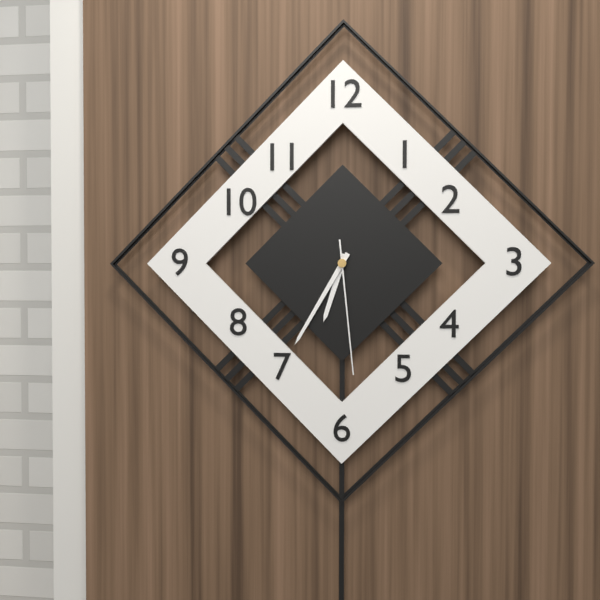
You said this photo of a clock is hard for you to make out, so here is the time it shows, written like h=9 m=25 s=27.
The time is h=6 m=35 s=29
